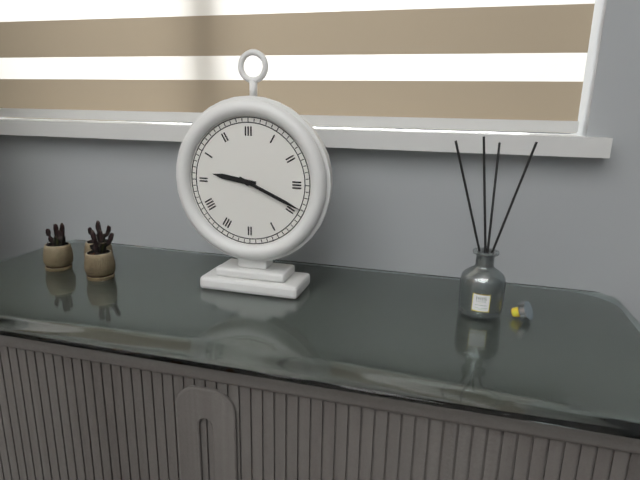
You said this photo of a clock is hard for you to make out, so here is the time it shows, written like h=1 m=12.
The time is h=9 m=19
